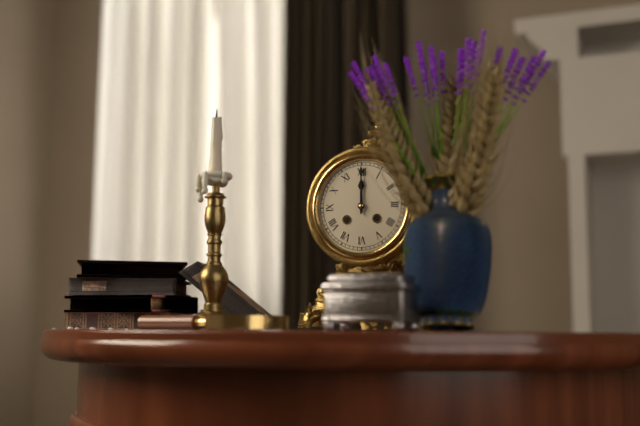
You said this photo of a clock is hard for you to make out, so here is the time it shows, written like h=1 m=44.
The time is h=12 m=0
